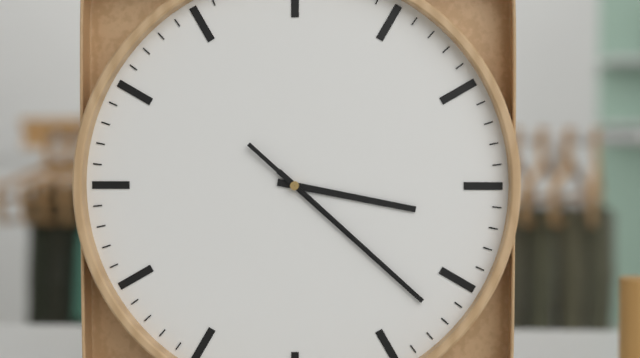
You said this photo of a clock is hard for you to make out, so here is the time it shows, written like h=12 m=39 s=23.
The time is h=3 m=22 s=22
